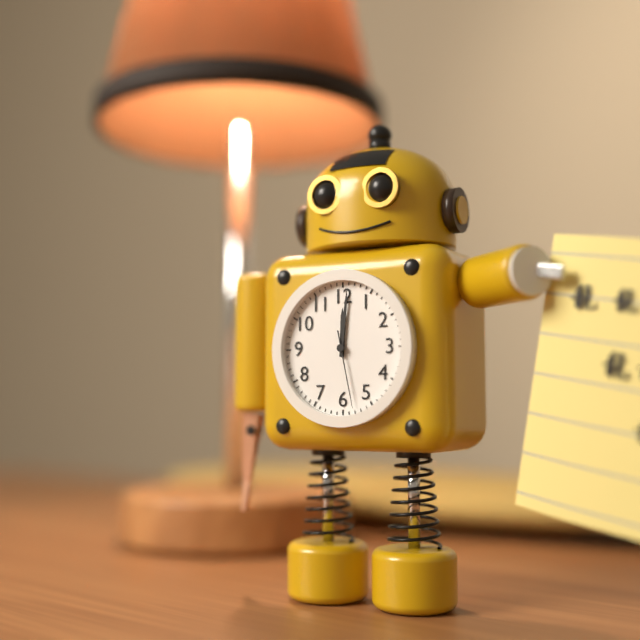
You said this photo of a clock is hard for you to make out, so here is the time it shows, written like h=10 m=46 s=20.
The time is h=12 m=1 s=28
